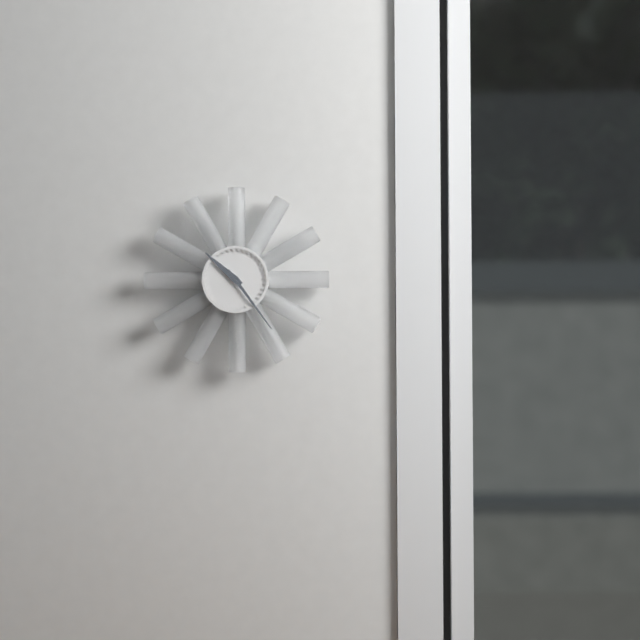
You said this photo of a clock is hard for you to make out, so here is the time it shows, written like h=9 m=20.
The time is h=10 m=24
